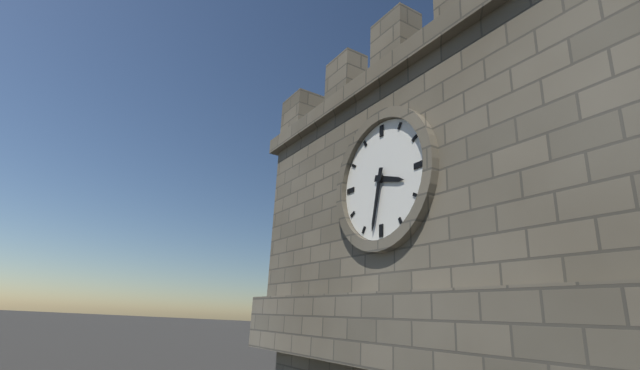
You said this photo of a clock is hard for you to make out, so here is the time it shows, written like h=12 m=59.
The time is h=3 m=32
